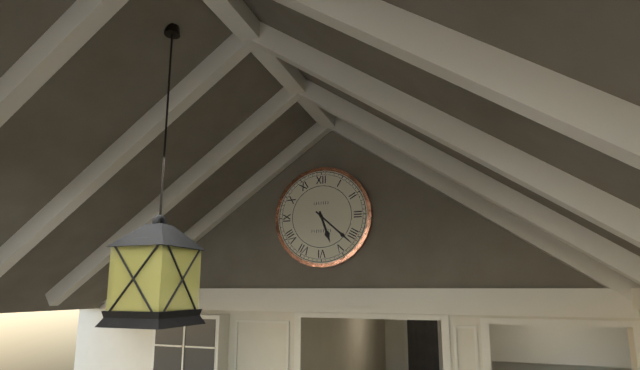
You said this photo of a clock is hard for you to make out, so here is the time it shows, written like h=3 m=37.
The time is h=5 m=22
